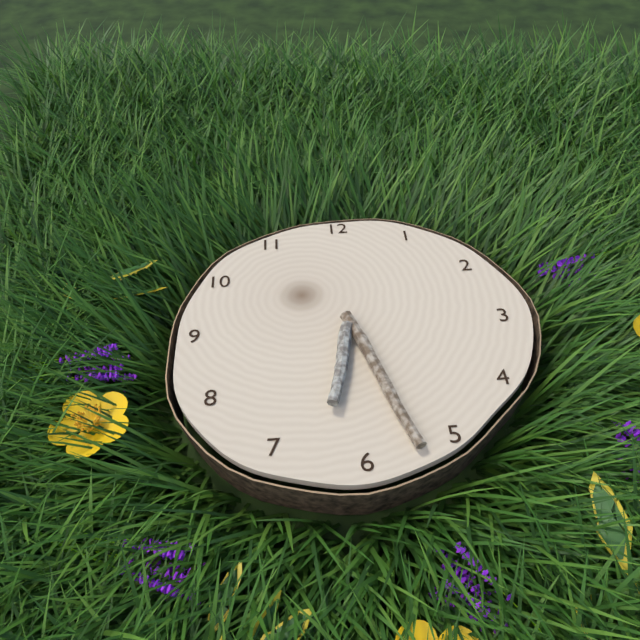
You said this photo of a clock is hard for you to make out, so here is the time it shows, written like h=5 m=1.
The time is h=6 m=27
